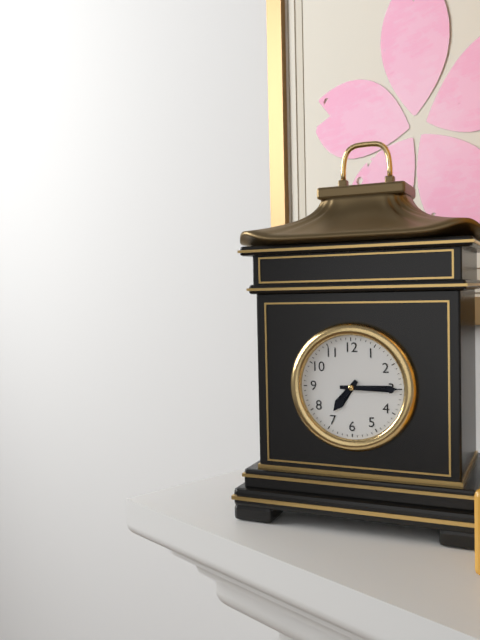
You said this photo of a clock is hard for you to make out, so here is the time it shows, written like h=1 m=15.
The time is h=7 m=15
